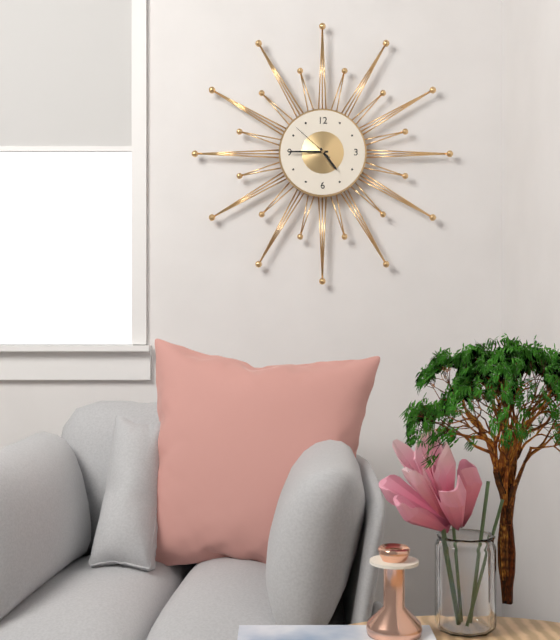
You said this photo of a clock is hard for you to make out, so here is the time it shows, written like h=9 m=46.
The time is h=4 m=45
